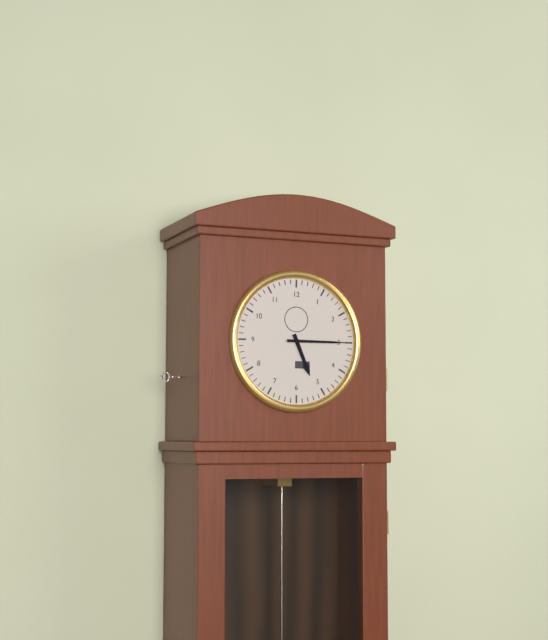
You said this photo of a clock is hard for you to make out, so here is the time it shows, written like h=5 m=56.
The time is h=5 m=15
